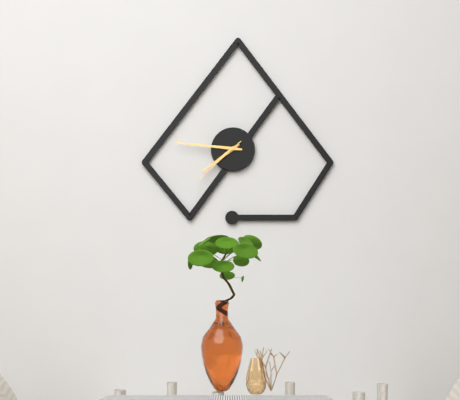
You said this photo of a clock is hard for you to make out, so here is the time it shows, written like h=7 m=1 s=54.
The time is h=7 m=46 s=38
